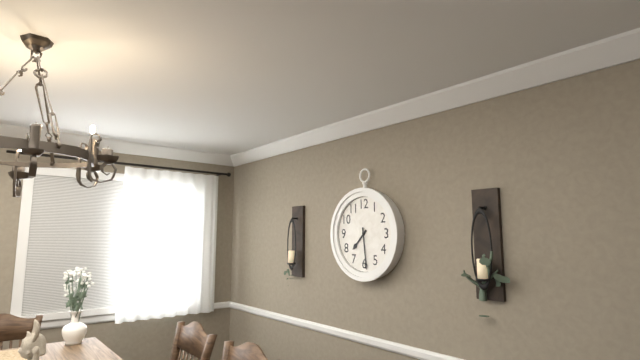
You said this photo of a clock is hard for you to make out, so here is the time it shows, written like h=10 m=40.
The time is h=7 m=29
